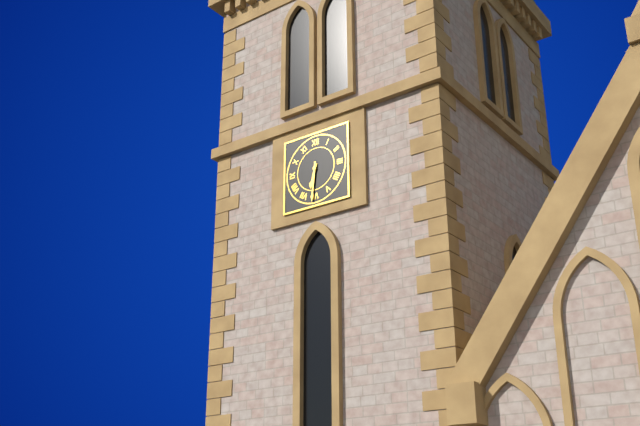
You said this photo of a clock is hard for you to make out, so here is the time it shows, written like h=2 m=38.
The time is h=6 m=31
